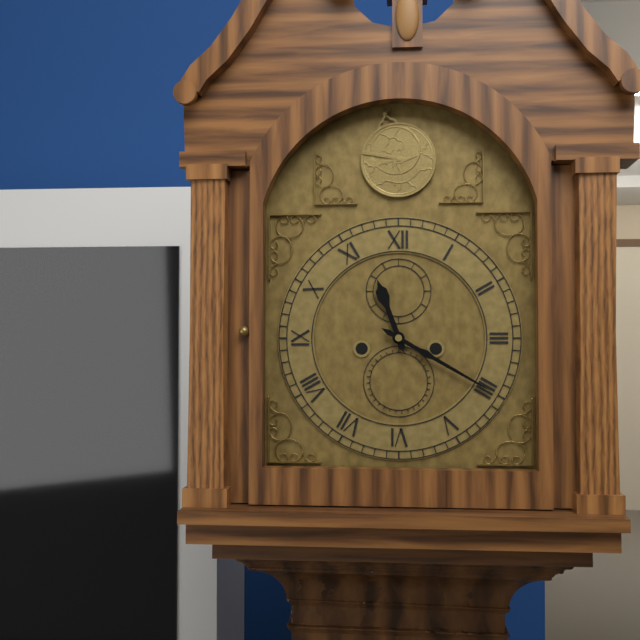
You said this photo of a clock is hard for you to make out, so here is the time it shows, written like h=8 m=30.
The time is h=11 m=20
